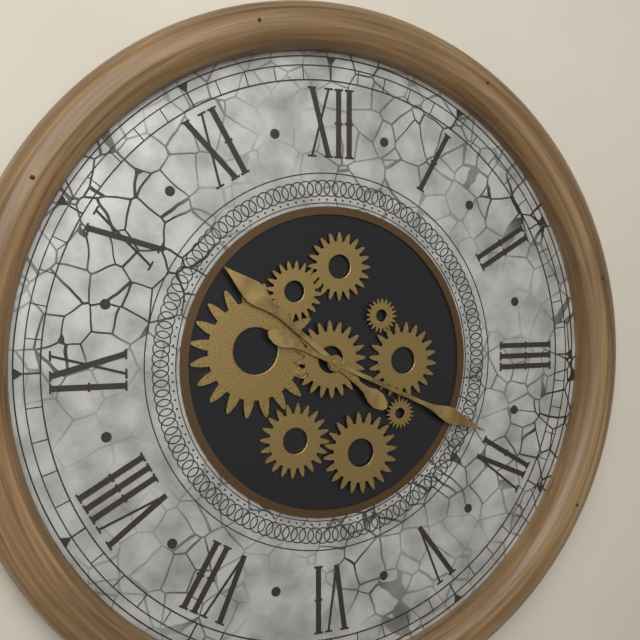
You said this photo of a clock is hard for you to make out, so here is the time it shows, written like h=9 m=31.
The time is h=10 m=19
